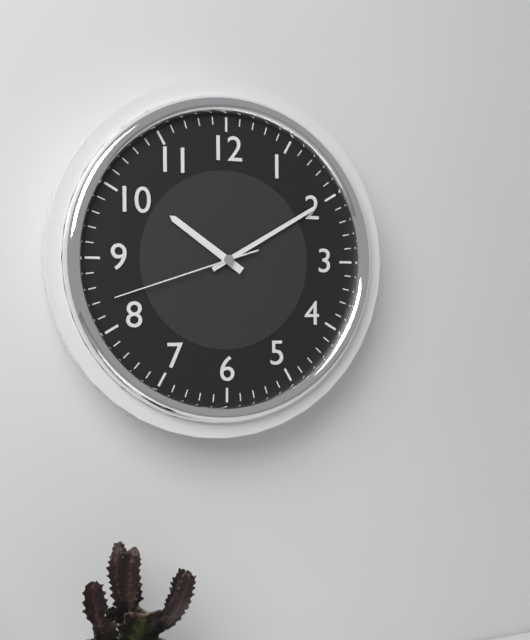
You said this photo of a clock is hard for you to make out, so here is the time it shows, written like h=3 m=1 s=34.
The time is h=10 m=10 s=42
